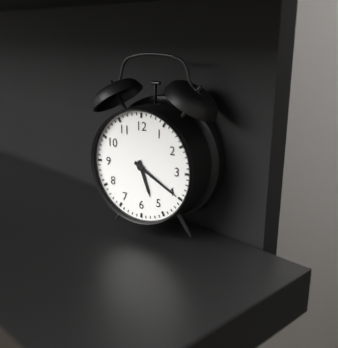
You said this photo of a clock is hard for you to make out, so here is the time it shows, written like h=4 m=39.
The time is h=5 m=20
